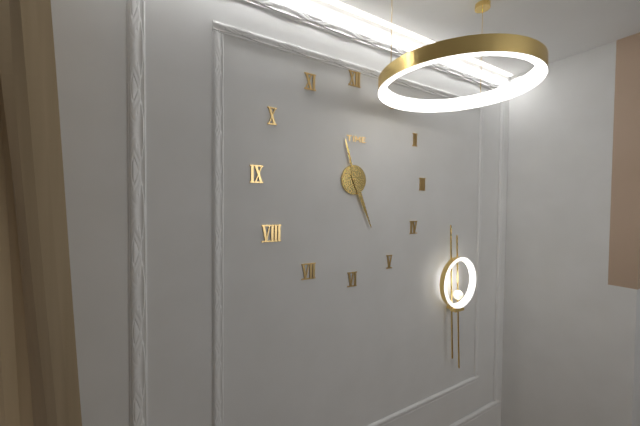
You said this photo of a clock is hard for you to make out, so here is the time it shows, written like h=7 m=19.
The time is h=11 m=26
